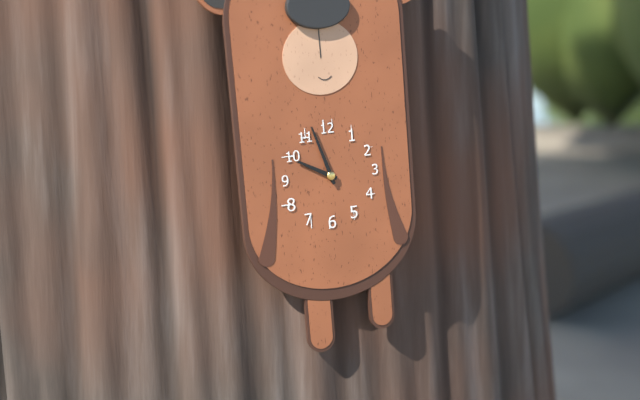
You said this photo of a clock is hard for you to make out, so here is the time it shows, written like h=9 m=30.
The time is h=9 m=57
